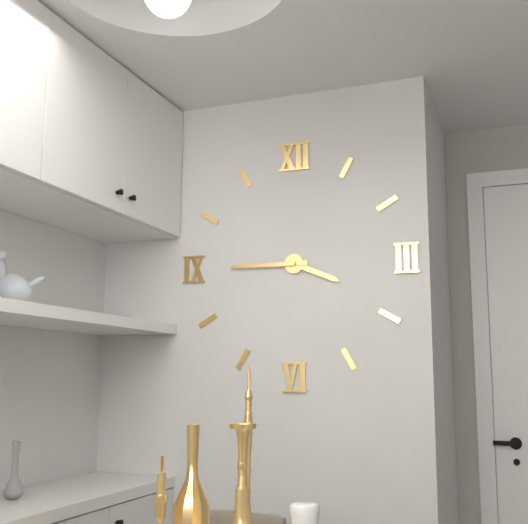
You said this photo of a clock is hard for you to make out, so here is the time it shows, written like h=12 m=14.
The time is h=3 m=45
